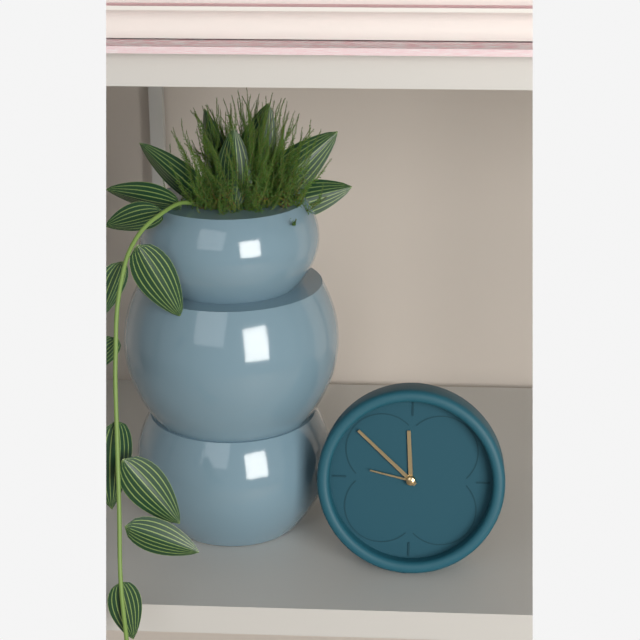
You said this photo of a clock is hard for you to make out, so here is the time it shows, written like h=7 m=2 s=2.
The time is h=11 m=52 s=47
